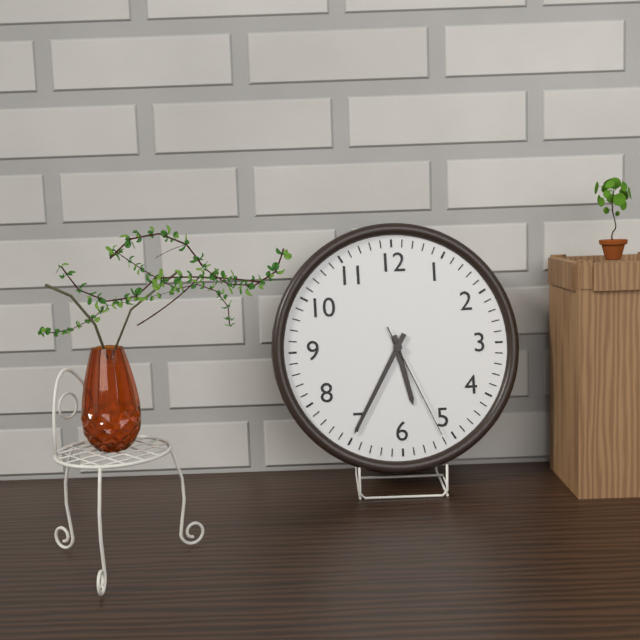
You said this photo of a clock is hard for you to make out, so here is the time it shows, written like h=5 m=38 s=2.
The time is h=5 m=35 s=26
